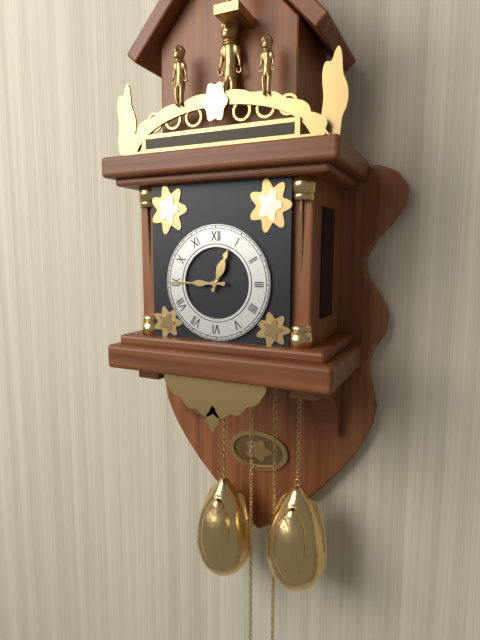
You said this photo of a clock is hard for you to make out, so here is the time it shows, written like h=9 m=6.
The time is h=12 m=45
